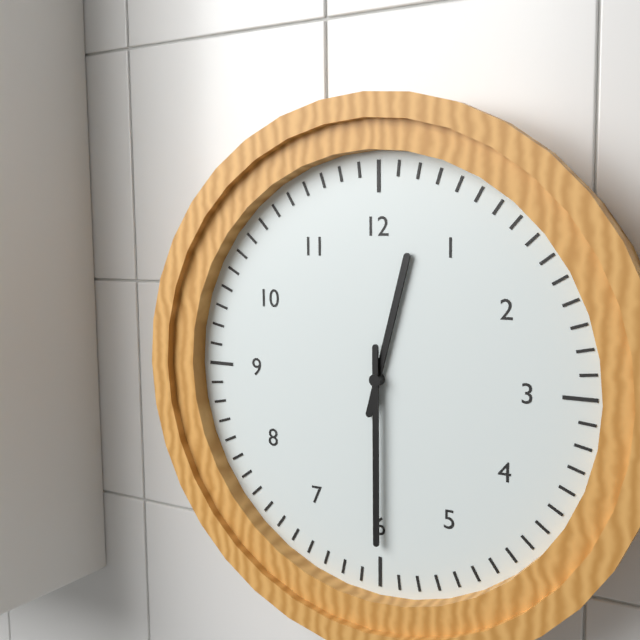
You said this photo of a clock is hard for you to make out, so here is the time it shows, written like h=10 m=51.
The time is h=12 m=30
